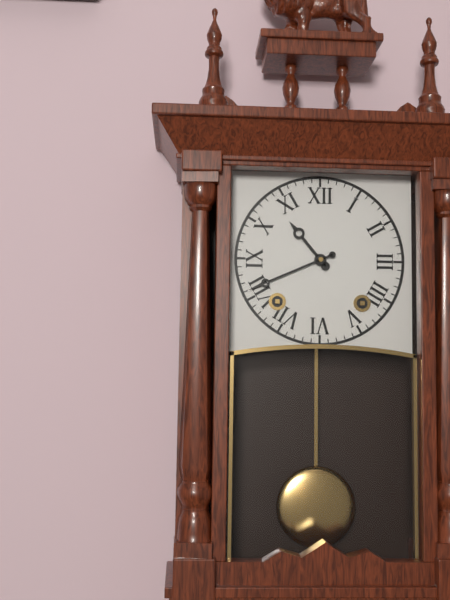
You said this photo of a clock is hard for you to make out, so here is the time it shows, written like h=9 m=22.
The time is h=10 m=41
